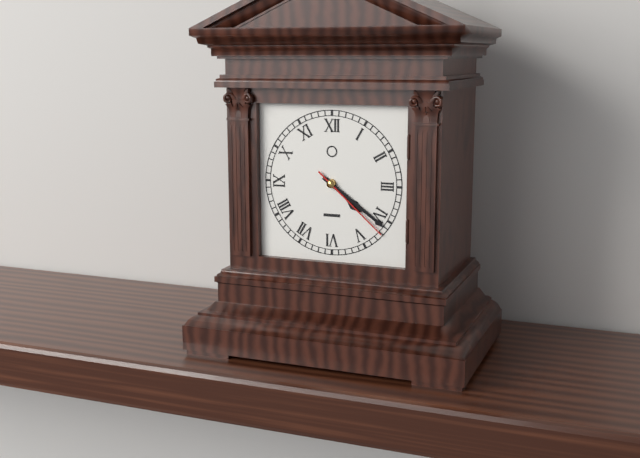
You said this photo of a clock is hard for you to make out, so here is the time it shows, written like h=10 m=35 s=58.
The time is h=4 m=21 s=22
